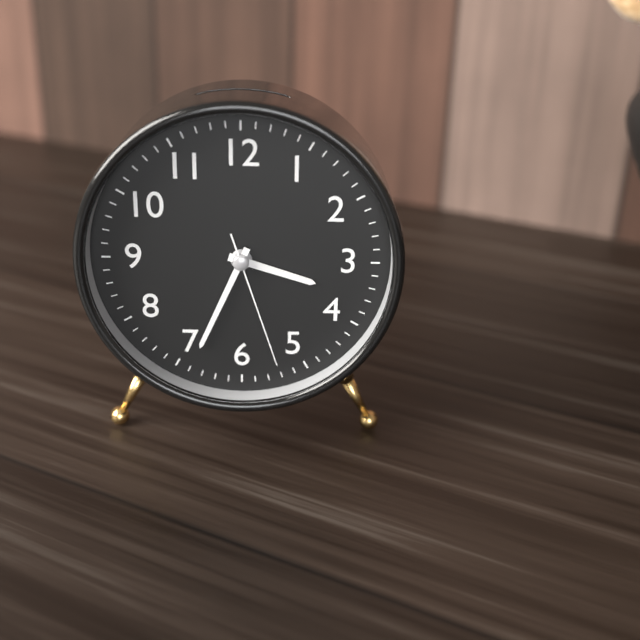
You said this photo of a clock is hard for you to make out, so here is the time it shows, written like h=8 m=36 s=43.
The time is h=3 m=34 s=27
